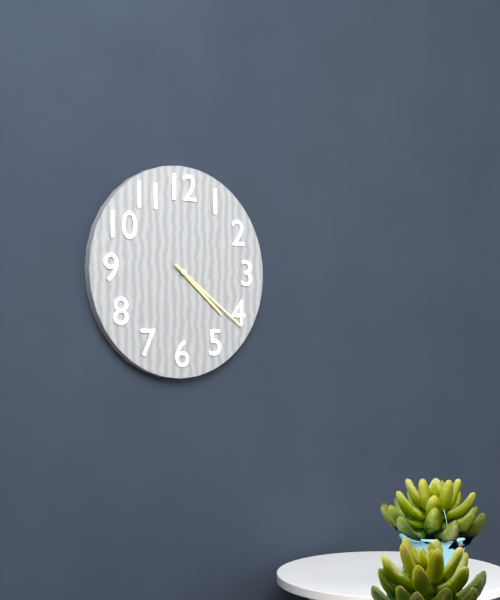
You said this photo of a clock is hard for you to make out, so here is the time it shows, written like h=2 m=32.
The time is h=4 m=21
